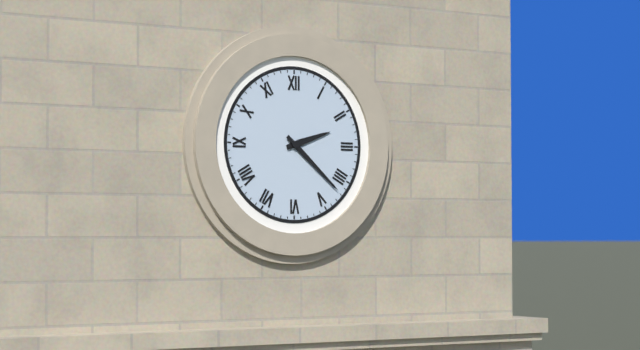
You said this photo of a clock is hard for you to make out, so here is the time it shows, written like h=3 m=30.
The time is h=2 m=22
